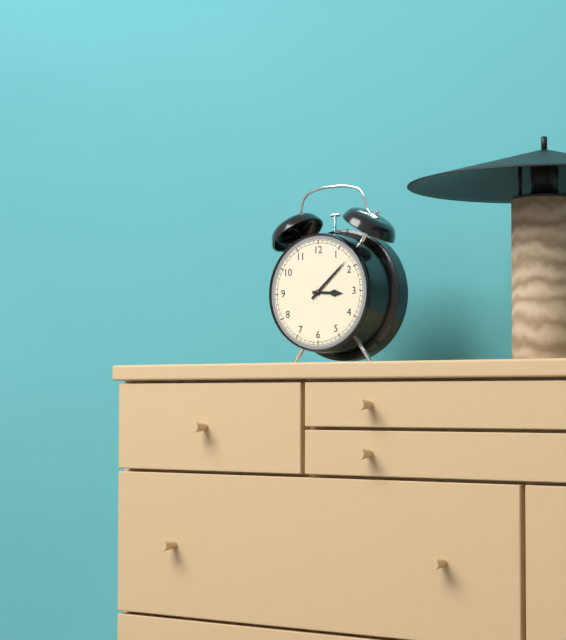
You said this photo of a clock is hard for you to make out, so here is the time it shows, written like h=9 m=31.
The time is h=3 m=8
